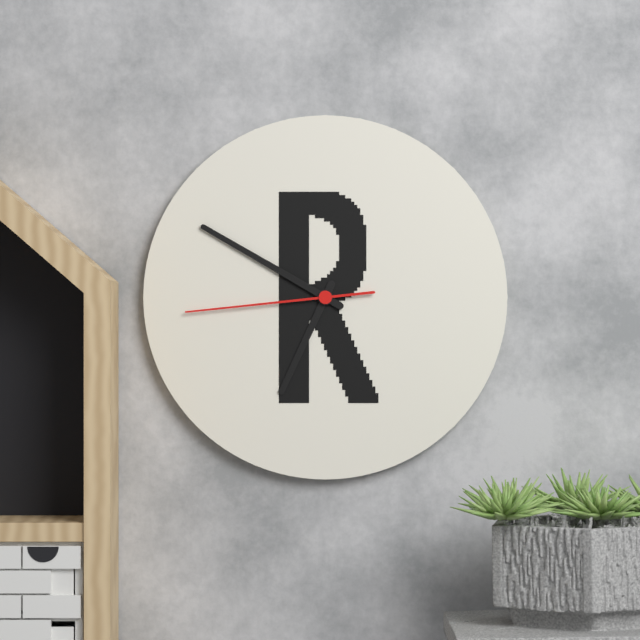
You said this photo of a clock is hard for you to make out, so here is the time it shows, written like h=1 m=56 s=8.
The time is h=6 m=50 s=44
